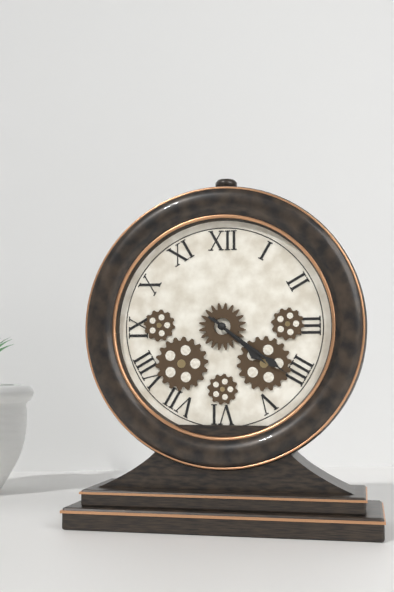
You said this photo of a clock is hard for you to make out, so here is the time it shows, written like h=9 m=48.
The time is h=4 m=21
